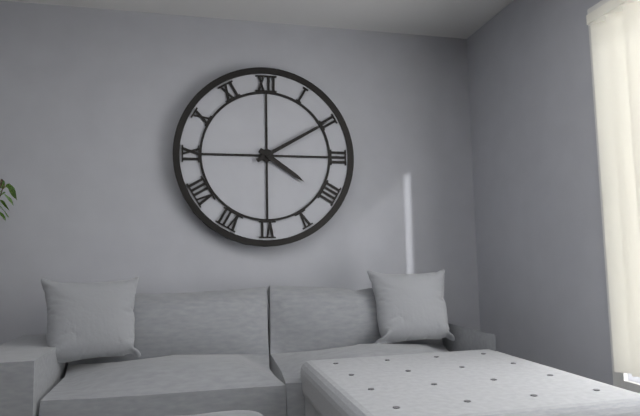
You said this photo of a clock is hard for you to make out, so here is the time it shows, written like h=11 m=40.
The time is h=4 m=10
